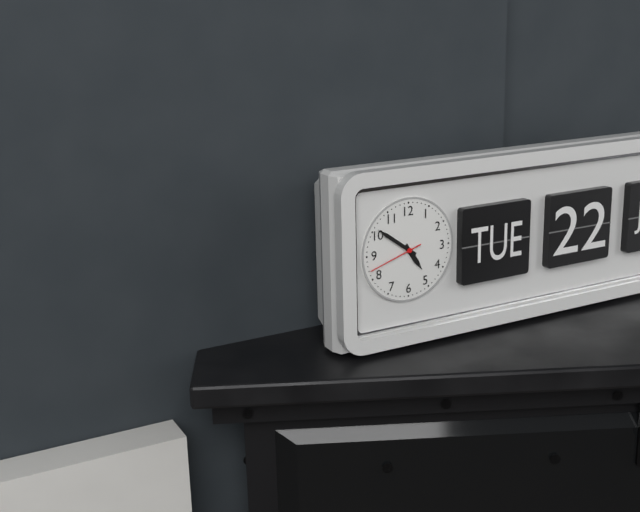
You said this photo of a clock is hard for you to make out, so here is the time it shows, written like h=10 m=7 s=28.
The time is h=4 m=51 s=42
